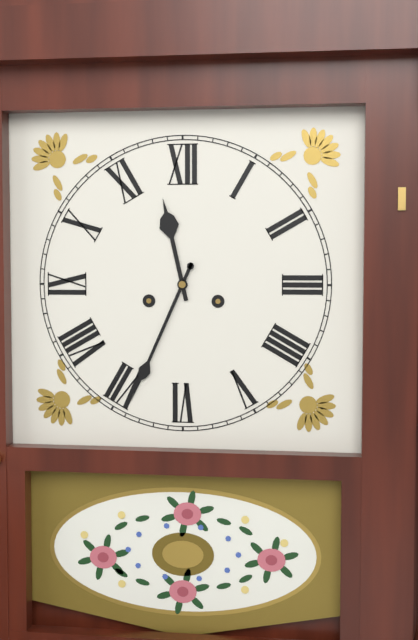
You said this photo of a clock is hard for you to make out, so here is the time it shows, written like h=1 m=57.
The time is h=11 m=34
